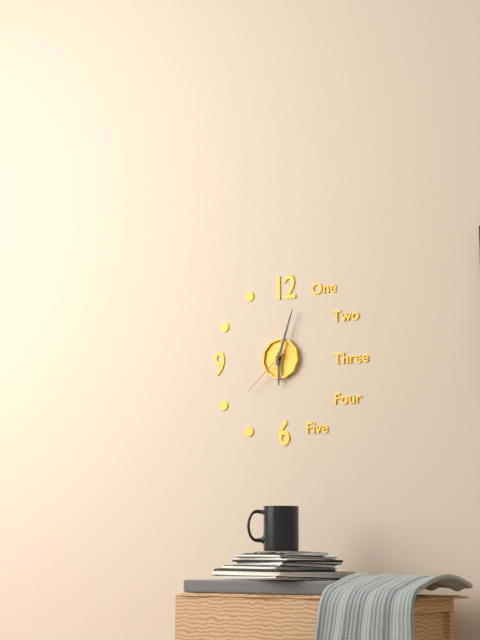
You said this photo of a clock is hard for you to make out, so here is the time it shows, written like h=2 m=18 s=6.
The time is h=6 m=3 s=38
